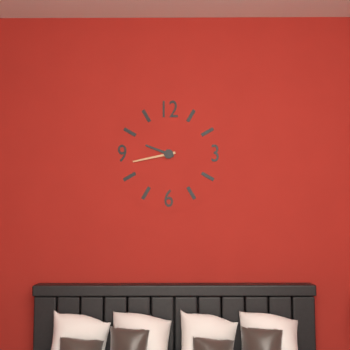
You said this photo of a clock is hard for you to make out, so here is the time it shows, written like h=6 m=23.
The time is h=9 m=43
